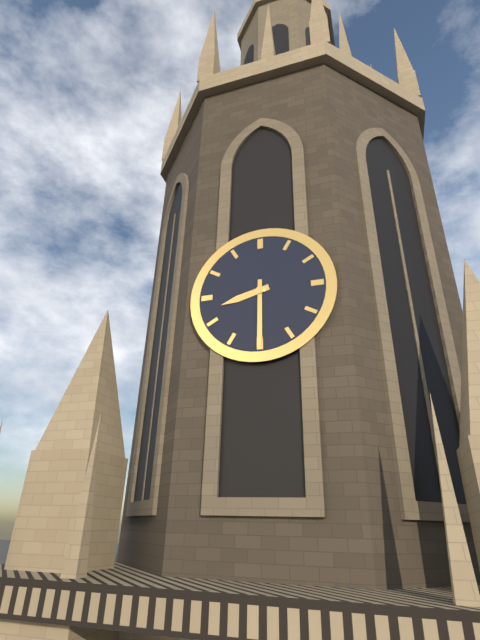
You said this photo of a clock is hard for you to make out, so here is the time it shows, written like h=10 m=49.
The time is h=8 m=30
